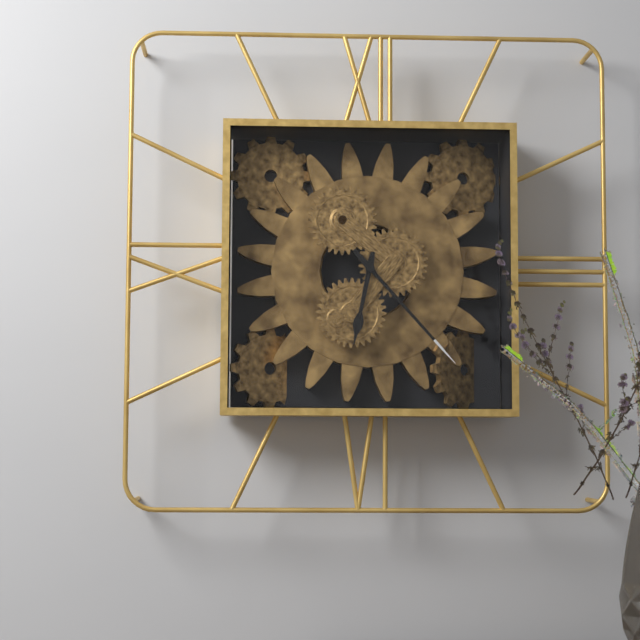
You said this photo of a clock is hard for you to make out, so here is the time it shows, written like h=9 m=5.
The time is h=6 m=23
